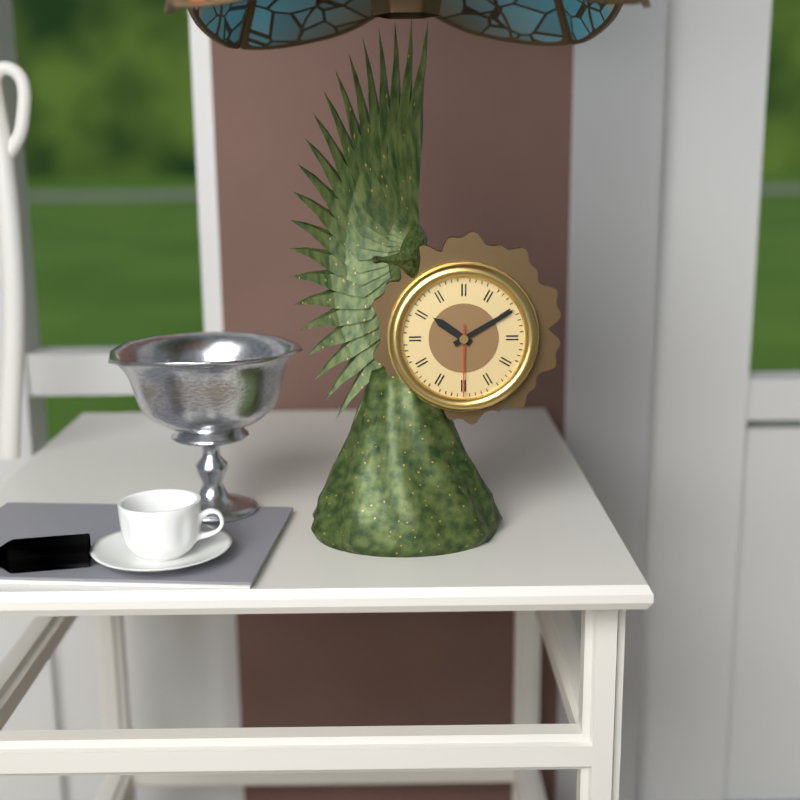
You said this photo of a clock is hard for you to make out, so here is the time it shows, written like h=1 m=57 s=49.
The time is h=10 m=10 s=30
